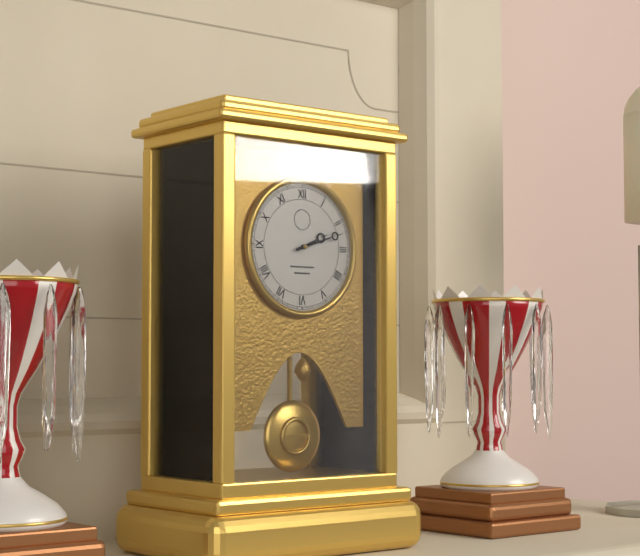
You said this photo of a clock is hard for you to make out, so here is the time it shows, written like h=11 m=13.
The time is h=2 m=12
